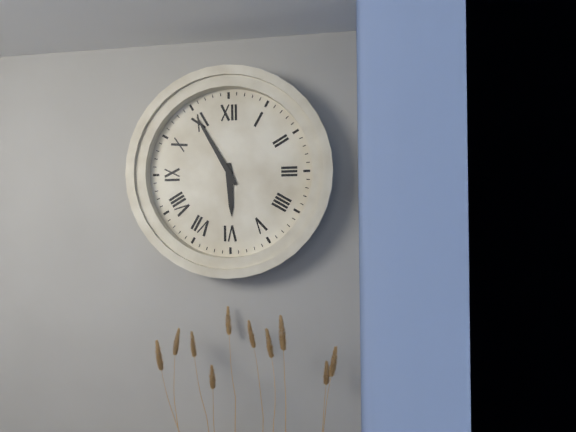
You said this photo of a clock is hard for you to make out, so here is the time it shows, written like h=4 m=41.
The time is h=5 m=55
